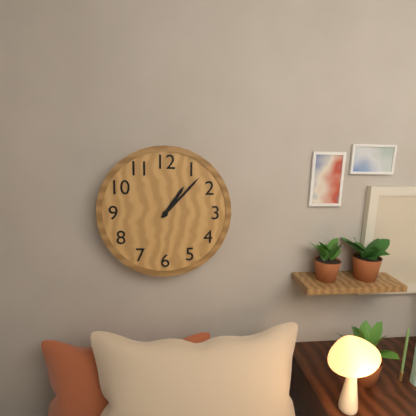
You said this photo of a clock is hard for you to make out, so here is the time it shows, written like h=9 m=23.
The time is h=1 m=7
